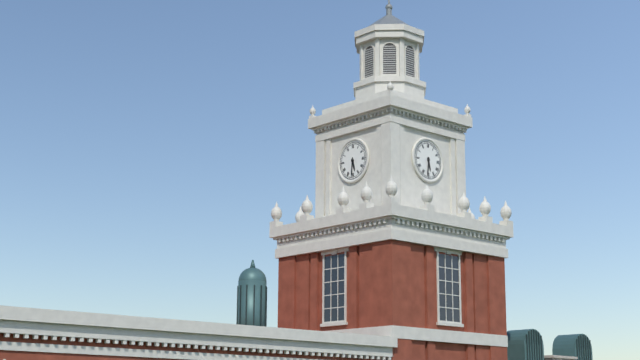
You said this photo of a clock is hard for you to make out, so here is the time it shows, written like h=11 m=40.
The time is h=5 m=31
